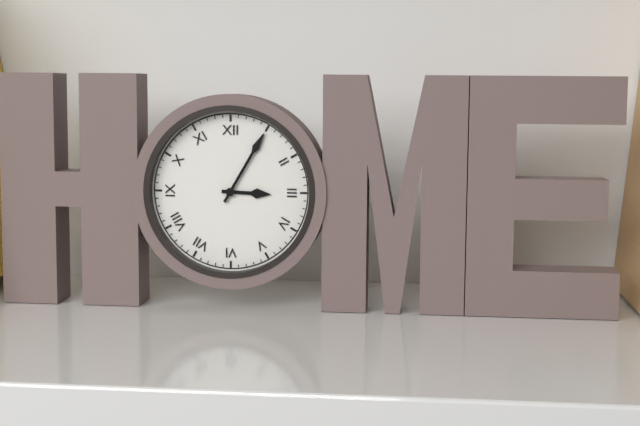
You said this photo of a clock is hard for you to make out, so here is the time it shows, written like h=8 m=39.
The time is h=3 m=5
